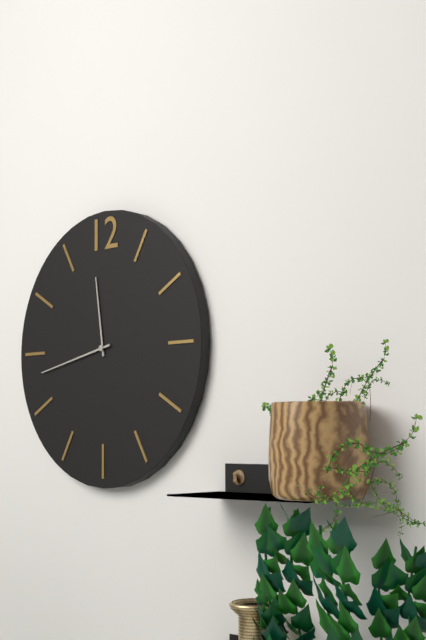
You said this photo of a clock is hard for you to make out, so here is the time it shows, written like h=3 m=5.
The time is h=11 m=43
